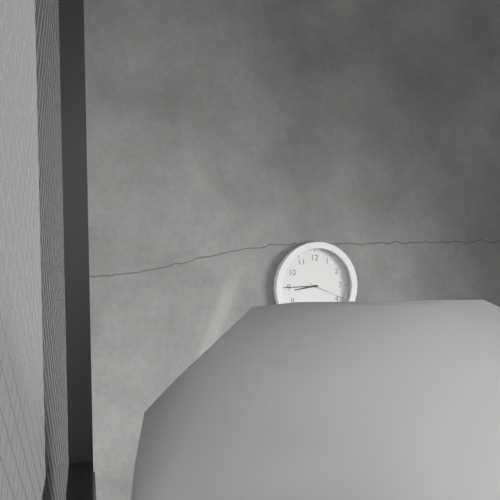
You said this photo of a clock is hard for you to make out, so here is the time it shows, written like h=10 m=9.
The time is h=8 m=45
